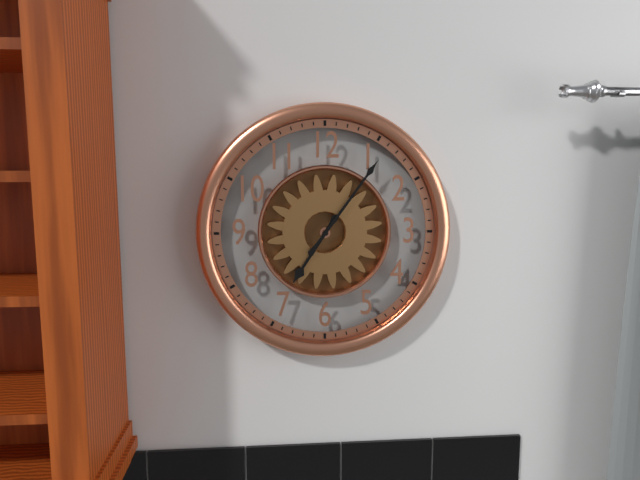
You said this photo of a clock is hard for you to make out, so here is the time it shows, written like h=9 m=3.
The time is h=7 m=6
